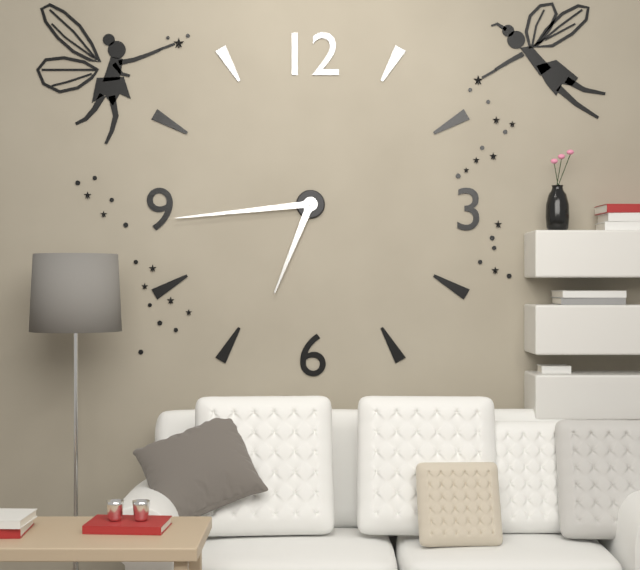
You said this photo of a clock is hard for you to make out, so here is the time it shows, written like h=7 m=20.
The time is h=6 m=44
